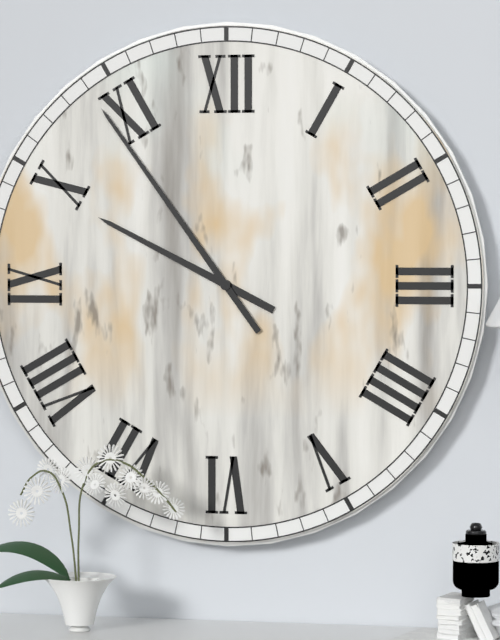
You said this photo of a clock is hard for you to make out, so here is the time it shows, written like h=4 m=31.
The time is h=9 m=54
